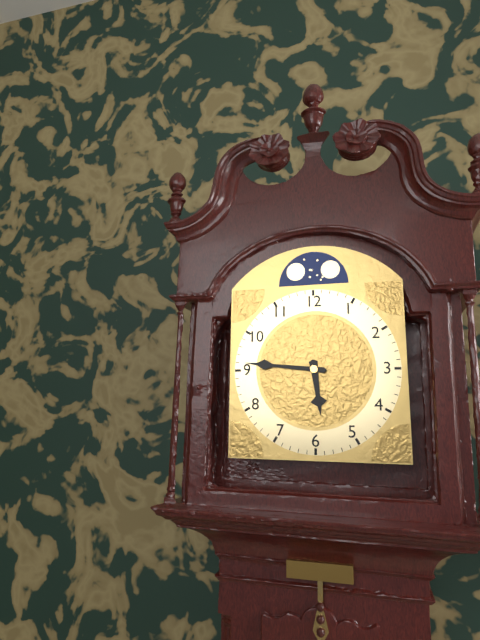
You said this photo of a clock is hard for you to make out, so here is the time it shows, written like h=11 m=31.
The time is h=5 m=46
